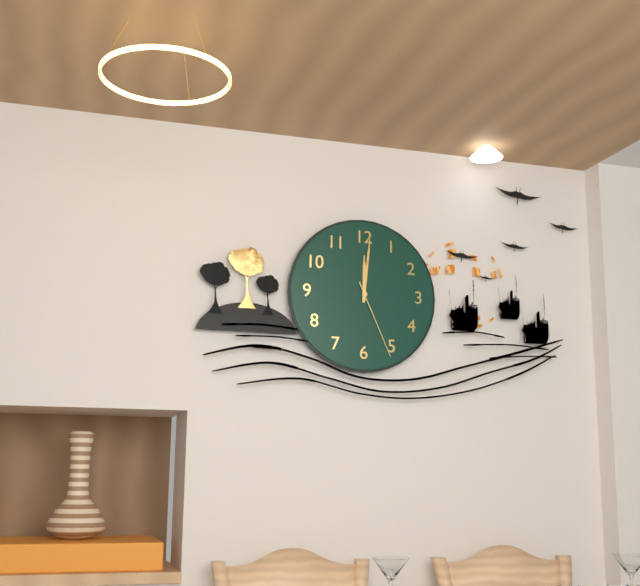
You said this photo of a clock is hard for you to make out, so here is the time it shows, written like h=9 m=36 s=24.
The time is h=12 m=1 s=26
